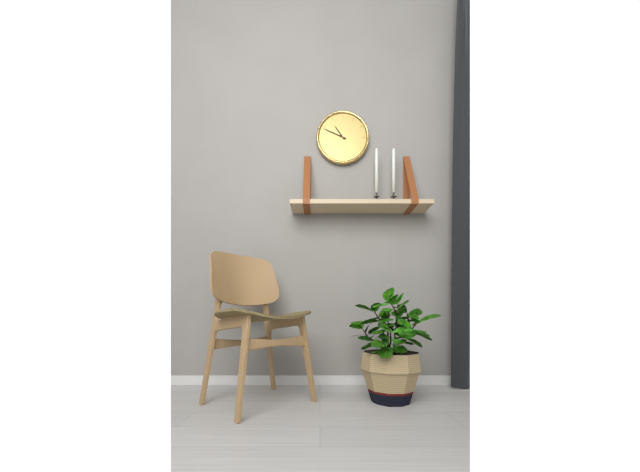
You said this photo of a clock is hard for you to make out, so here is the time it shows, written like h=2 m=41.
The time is h=10 m=49
